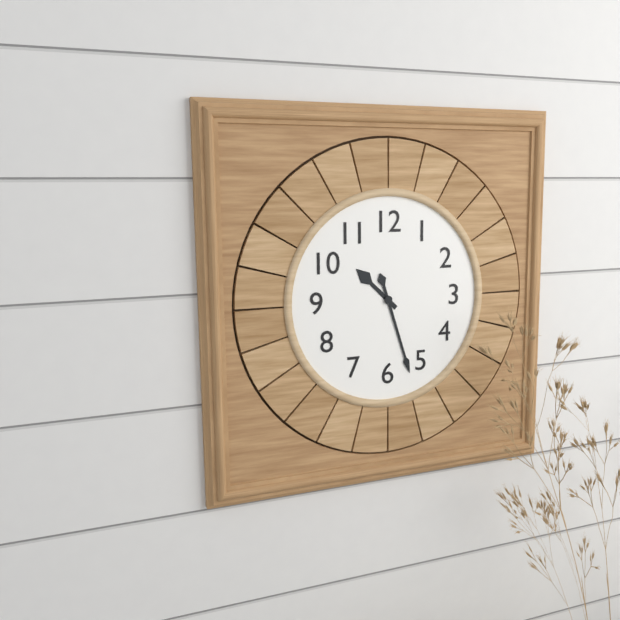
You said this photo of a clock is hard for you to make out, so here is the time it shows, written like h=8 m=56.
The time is h=10 m=27
